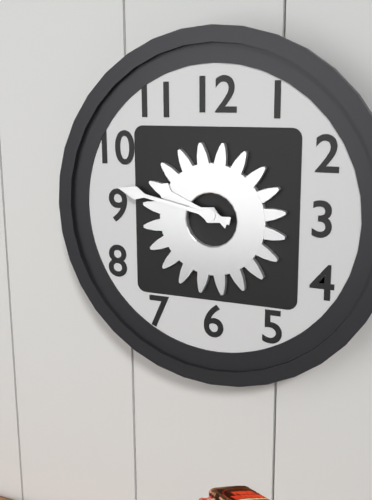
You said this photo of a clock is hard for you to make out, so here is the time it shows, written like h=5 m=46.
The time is h=9 m=47
